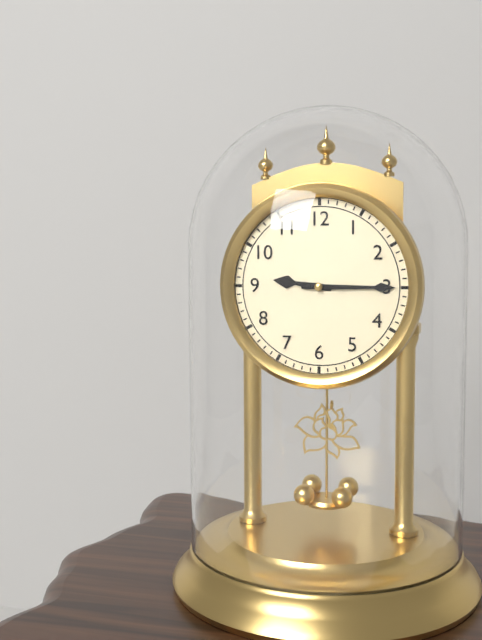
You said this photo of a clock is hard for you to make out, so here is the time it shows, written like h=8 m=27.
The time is h=9 m=15
